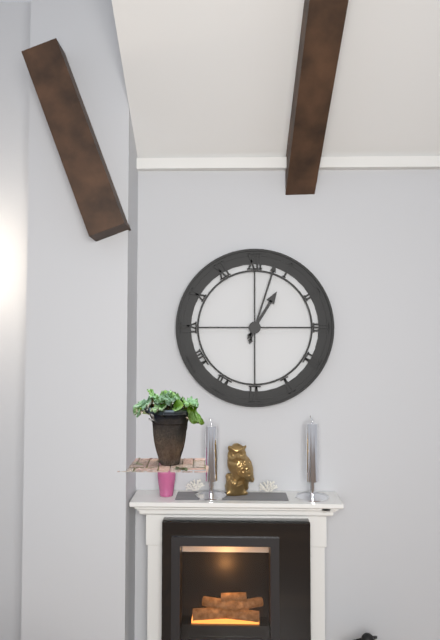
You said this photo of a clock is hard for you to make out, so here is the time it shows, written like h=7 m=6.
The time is h=1 m=3
